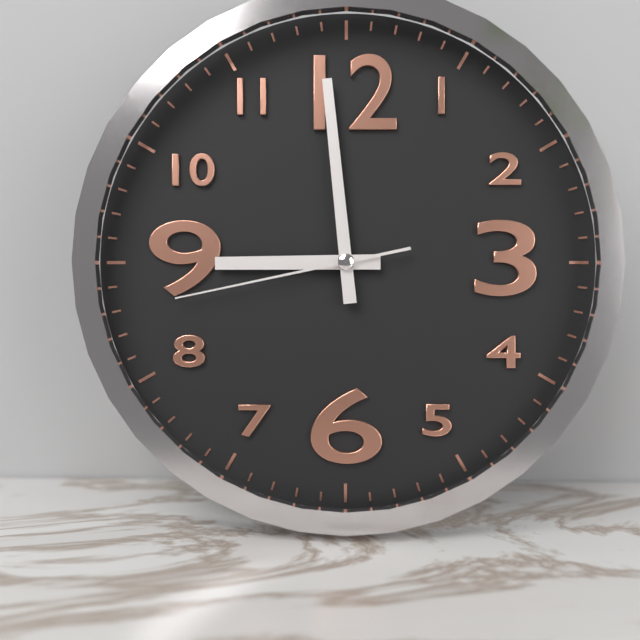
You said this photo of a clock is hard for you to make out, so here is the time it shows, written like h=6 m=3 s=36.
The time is h=8 m=59 s=43
